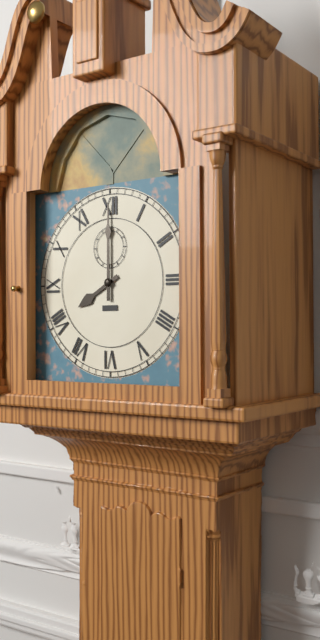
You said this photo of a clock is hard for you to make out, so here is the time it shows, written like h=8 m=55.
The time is h=8 m=0
